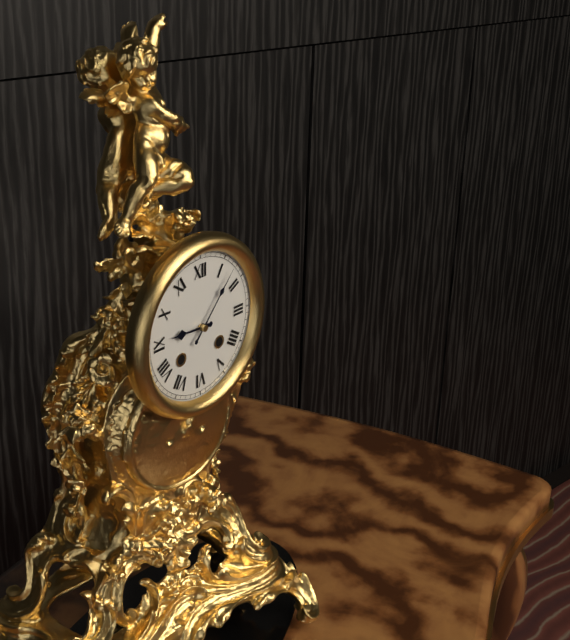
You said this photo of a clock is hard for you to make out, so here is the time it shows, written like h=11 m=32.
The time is h=9 m=7
